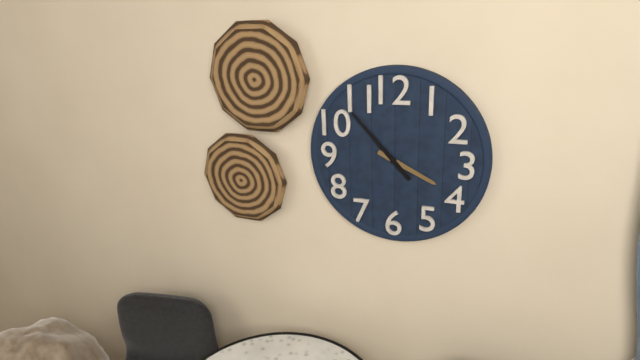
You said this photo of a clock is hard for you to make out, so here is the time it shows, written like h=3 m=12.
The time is h=3 m=53
